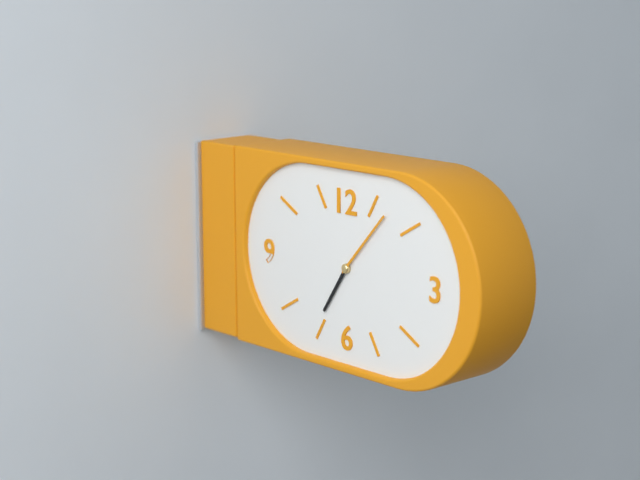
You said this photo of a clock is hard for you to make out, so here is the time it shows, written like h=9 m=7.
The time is h=7 m=7
